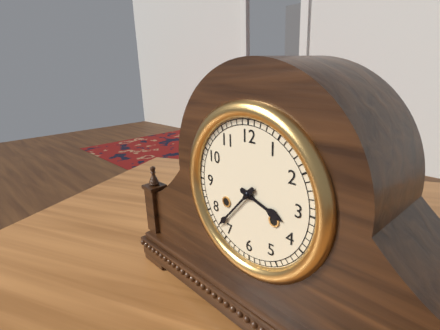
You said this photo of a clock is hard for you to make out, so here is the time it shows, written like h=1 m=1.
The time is h=3 m=37
